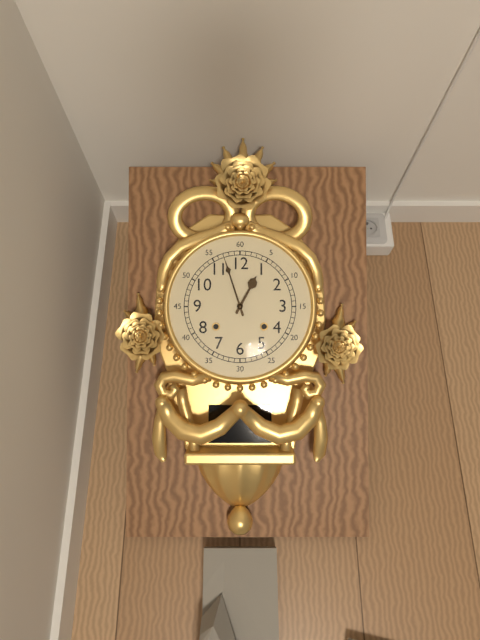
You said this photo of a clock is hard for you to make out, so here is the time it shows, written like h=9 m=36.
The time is h=12 m=57
